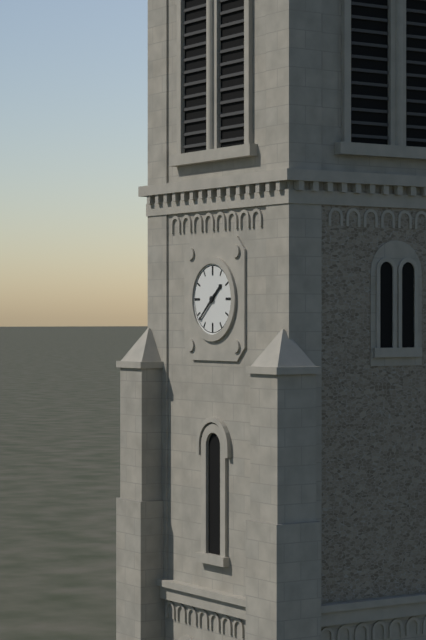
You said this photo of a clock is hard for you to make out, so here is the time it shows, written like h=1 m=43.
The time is h=1 m=38
